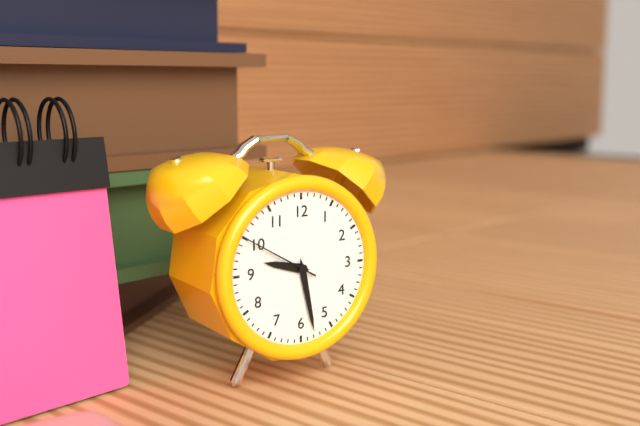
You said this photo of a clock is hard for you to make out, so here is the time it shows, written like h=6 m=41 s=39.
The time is h=9 m=28 s=50
